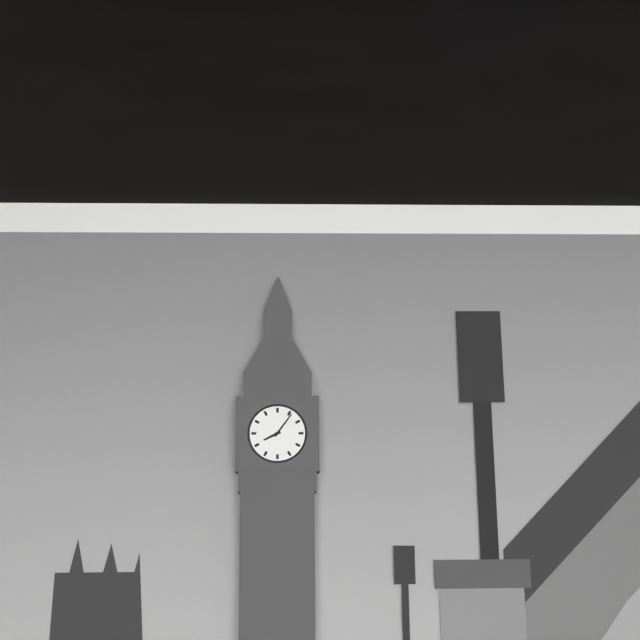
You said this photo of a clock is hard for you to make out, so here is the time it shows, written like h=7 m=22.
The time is h=8 m=6
